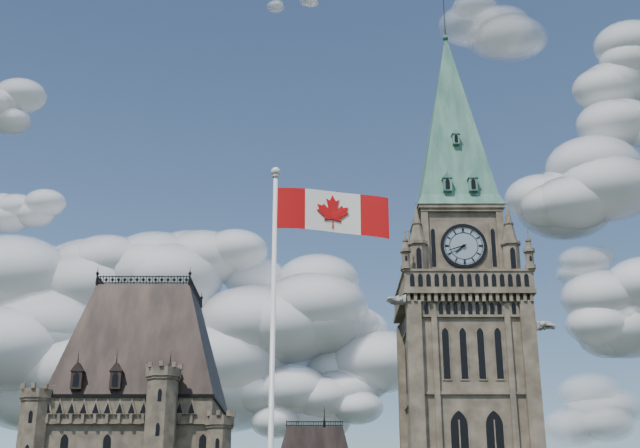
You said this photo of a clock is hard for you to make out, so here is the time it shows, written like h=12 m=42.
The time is h=7 m=42
